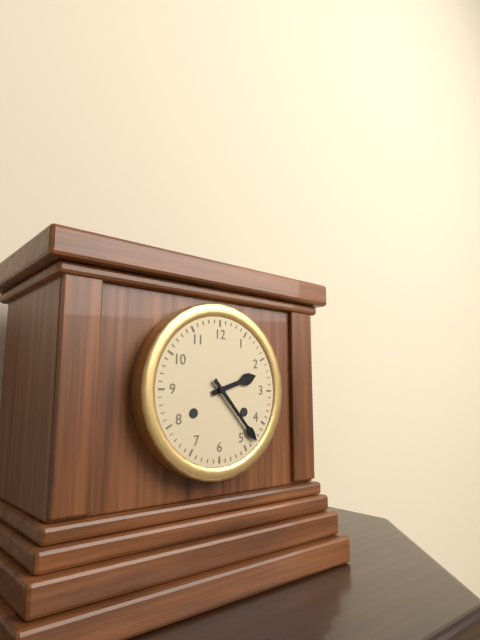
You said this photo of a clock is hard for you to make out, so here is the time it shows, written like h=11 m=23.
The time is h=2 m=23
